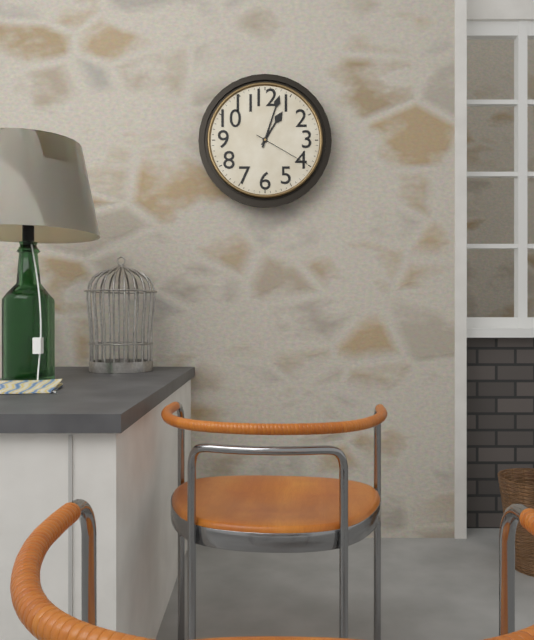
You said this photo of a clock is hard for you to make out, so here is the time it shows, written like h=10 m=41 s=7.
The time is h=1 m=3 s=20
